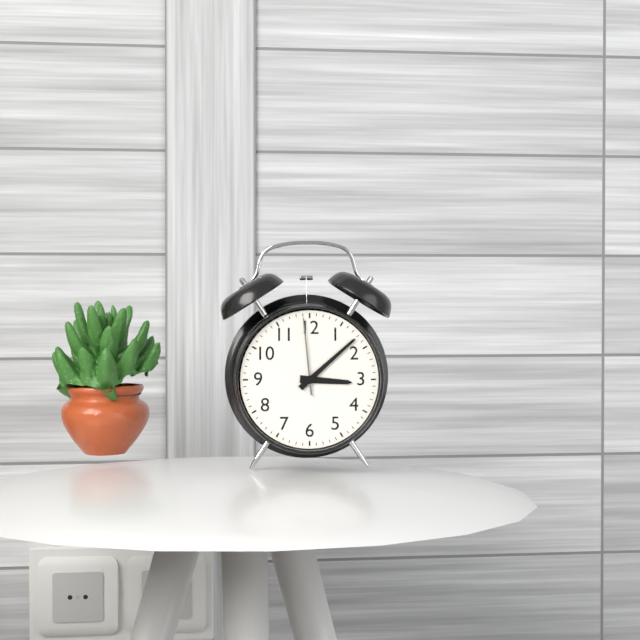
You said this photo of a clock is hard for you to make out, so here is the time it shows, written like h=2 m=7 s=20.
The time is h=3 m=8 s=59
